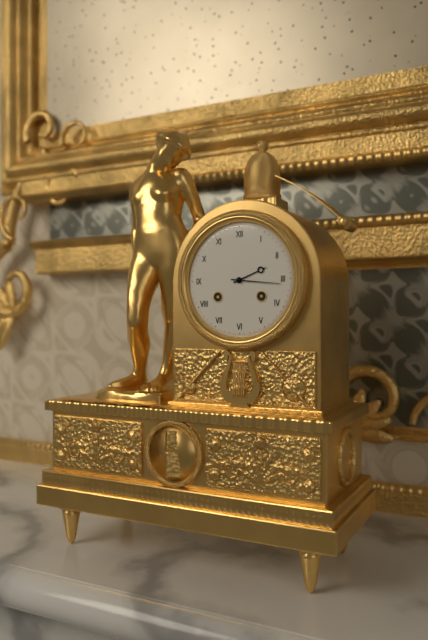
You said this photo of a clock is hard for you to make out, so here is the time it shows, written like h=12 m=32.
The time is h=2 m=16
